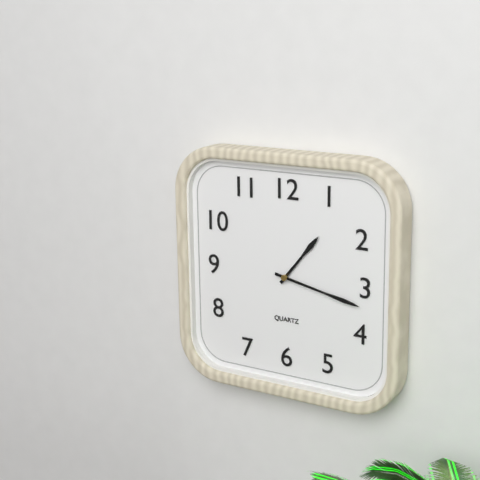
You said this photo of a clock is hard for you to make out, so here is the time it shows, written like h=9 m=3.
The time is h=1 m=17
